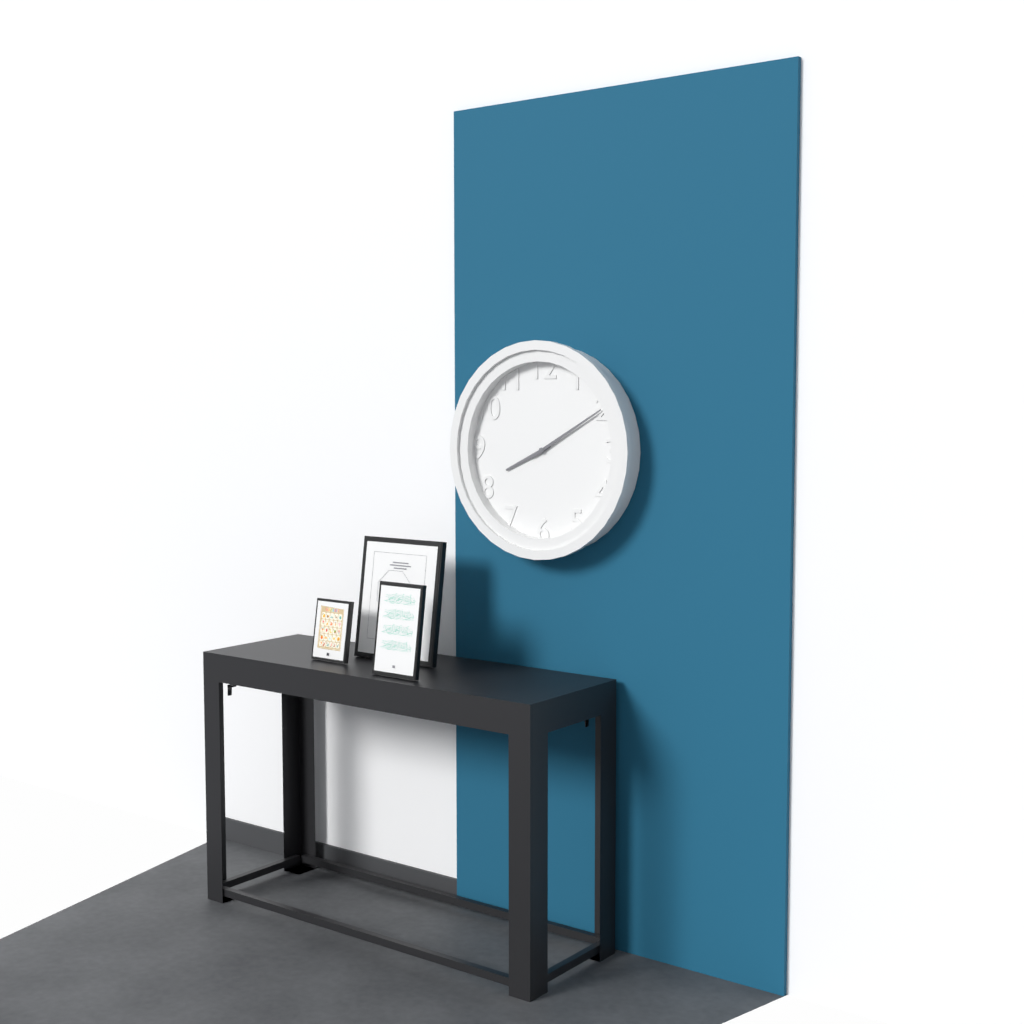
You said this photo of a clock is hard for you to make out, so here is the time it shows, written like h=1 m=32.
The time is h=8 m=10
